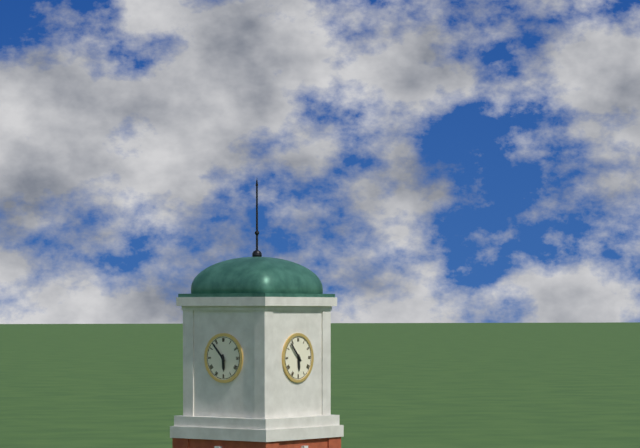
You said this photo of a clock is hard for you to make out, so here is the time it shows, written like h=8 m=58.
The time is h=5 m=53
